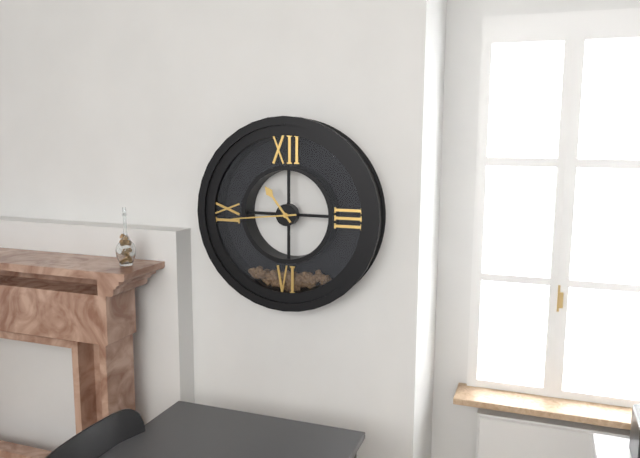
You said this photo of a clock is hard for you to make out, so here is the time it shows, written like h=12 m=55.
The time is h=10 m=44
